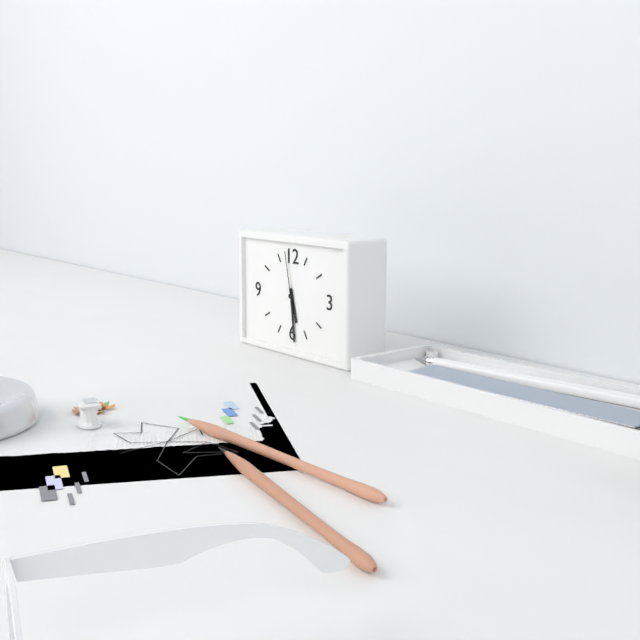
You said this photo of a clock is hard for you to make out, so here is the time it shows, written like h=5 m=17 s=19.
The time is h=5 m=29 s=58
